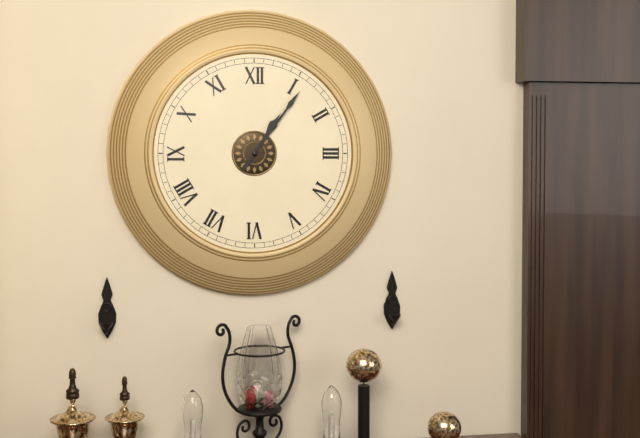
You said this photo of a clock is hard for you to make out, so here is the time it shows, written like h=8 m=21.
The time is h=1 m=6
